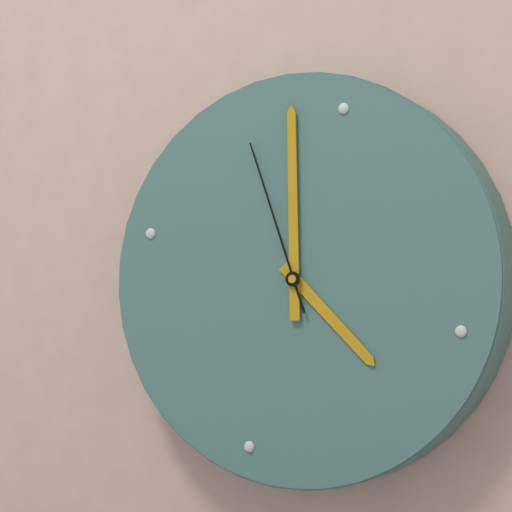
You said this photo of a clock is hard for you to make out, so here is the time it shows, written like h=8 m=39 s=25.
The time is h=3 m=57 s=54
